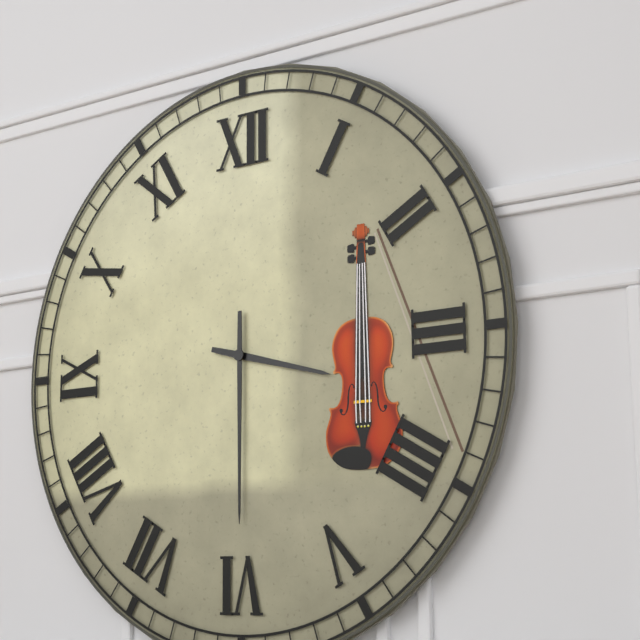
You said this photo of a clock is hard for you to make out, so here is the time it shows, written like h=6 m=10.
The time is h=3 m=30
